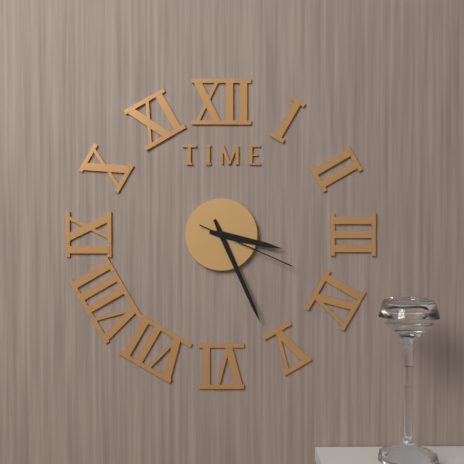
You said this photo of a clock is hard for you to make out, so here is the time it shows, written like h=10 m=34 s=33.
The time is h=3 m=26 s=19
